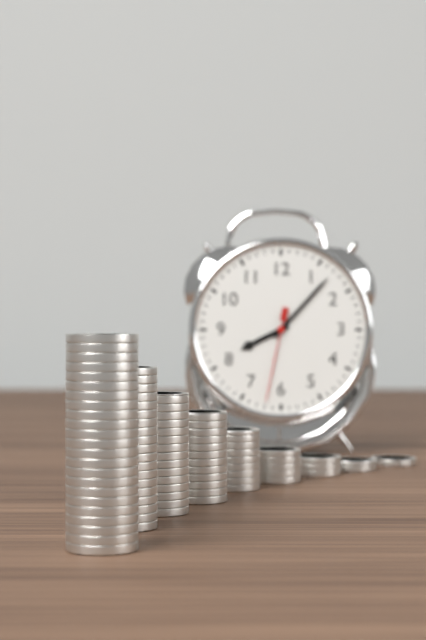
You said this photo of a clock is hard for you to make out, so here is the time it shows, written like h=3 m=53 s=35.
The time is h=8 m=7 s=32
